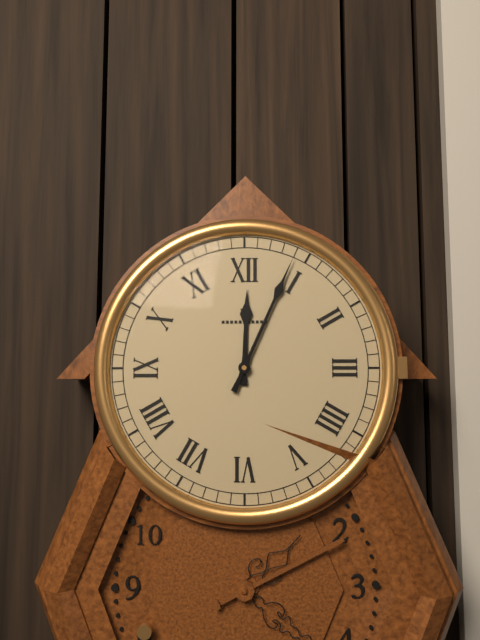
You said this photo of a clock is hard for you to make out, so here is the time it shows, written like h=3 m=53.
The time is h=12 m=4
